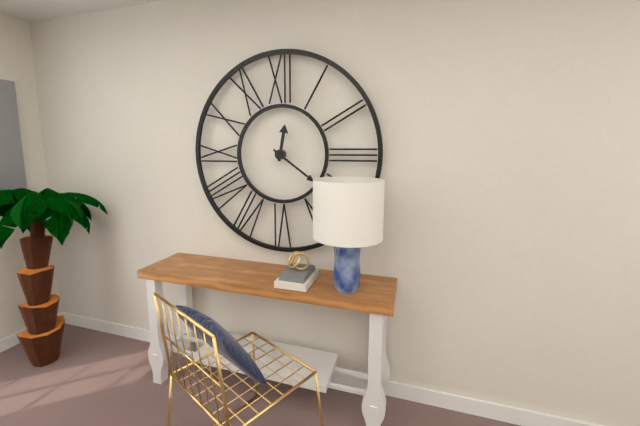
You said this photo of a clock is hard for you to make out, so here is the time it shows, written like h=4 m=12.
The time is h=12 m=21
